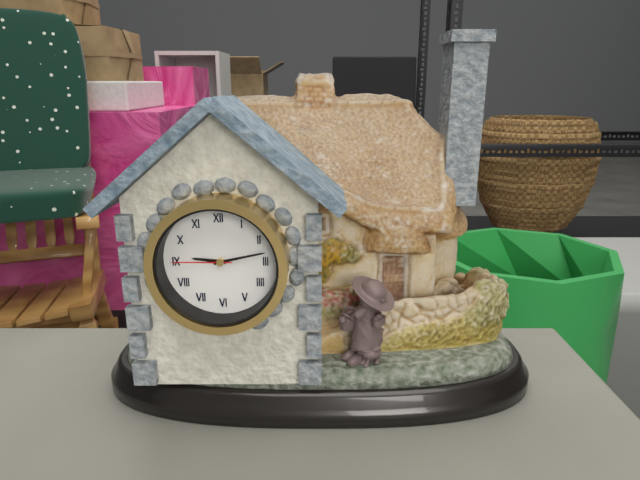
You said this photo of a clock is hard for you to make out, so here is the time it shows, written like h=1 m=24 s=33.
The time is h=9 m=13 s=45
